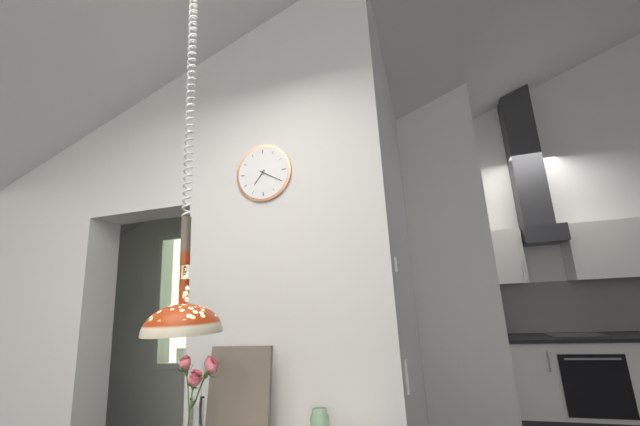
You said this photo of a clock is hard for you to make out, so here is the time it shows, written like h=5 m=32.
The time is h=7 m=20
